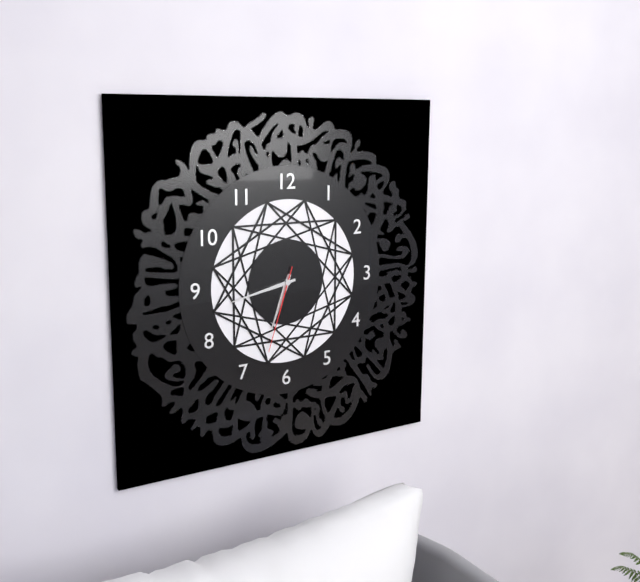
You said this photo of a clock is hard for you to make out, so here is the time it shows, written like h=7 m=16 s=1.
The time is h=6 m=43 s=33
